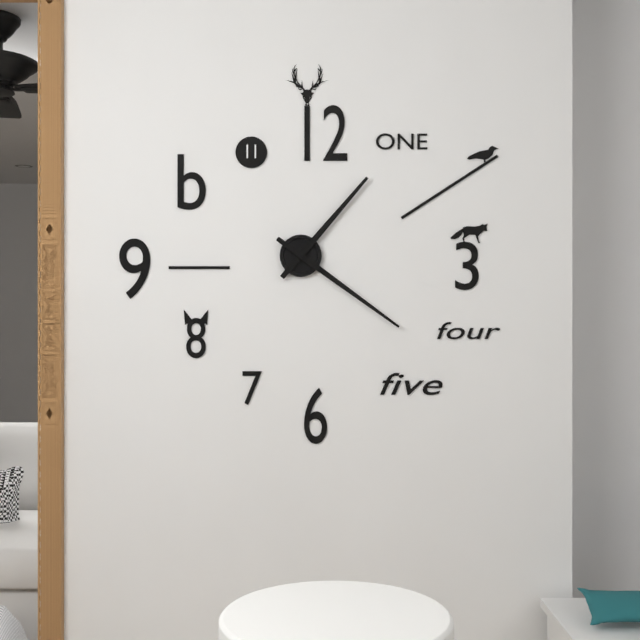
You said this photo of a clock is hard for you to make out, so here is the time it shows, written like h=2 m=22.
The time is h=1 m=21
